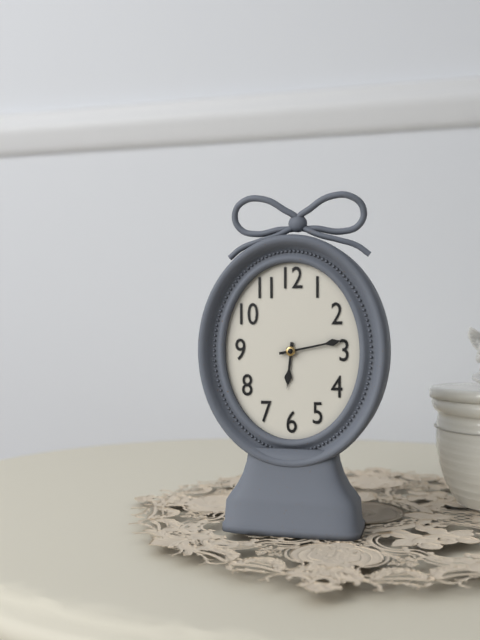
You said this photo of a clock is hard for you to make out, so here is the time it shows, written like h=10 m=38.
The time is h=6 m=13
